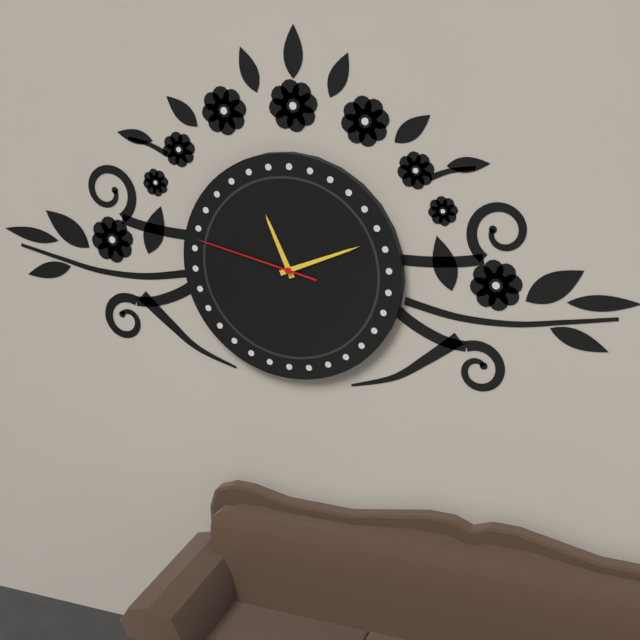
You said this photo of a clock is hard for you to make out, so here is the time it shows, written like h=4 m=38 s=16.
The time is h=11 m=11 s=47
